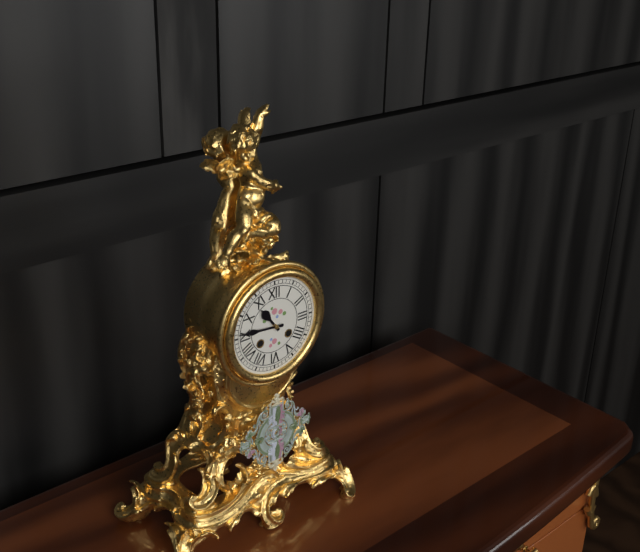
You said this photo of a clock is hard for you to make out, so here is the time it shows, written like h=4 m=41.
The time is h=10 m=46
